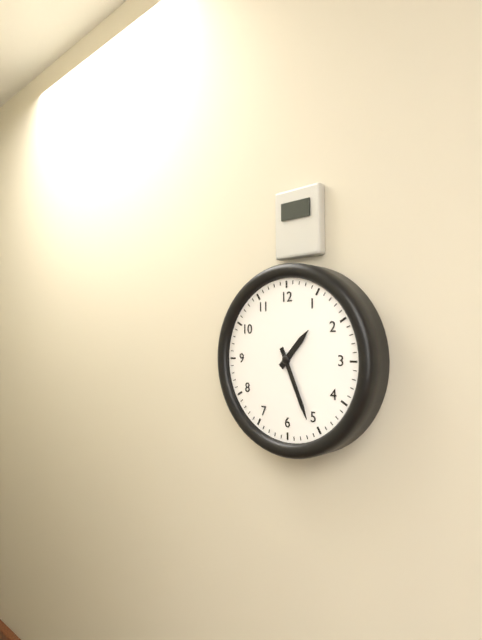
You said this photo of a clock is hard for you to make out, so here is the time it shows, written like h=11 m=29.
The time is h=1 m=26
